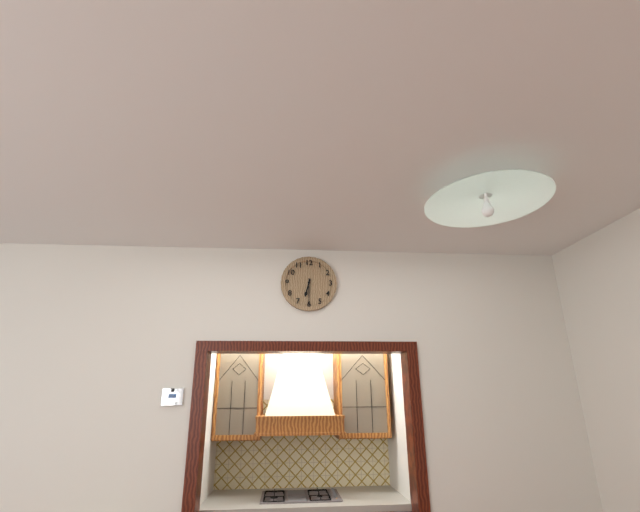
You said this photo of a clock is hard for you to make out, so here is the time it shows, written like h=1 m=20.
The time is h=6 m=30
